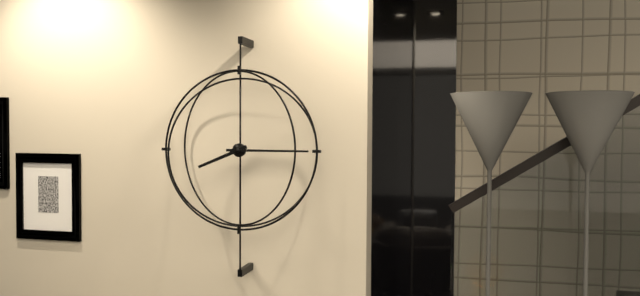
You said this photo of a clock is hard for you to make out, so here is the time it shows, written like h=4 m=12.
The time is h=8 m=15
